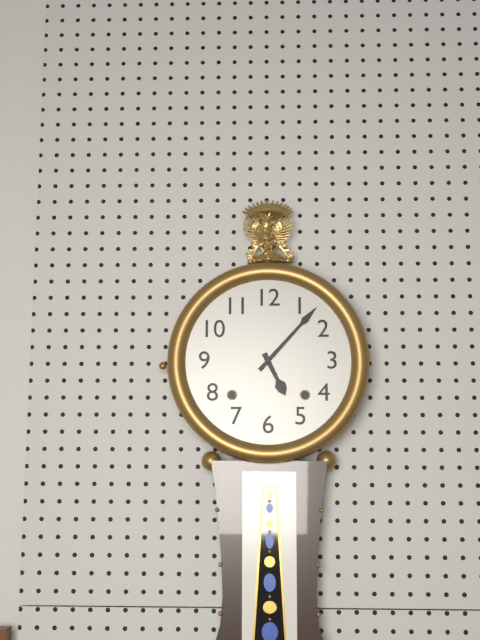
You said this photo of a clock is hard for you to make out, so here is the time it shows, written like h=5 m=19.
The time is h=5 m=7
